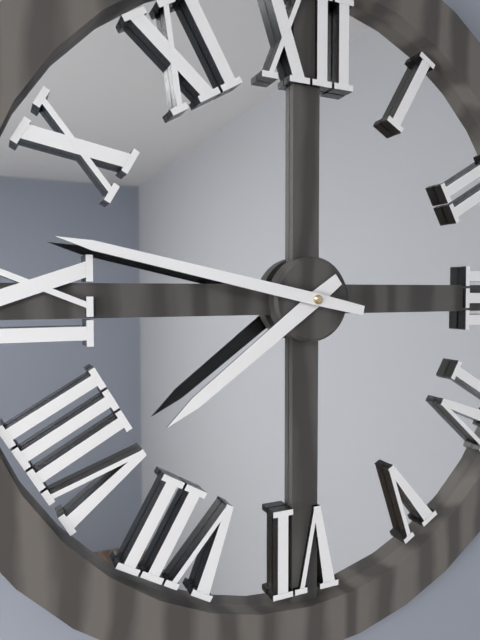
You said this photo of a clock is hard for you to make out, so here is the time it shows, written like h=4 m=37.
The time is h=7 m=47
